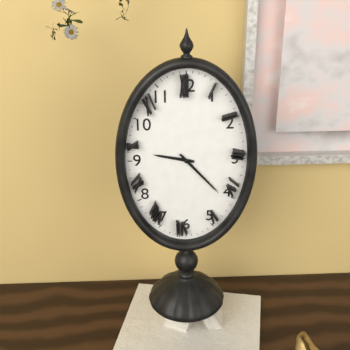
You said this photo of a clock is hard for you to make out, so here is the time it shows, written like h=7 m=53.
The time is h=9 m=23
